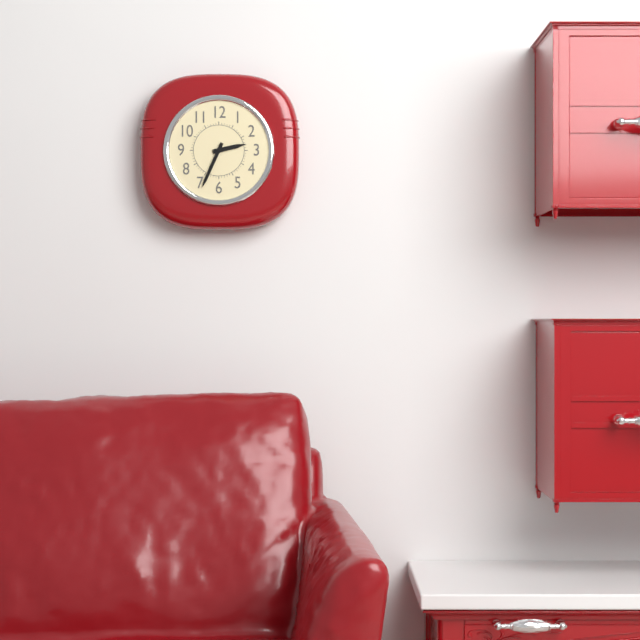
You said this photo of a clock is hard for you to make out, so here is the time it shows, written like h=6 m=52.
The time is h=2 m=34
